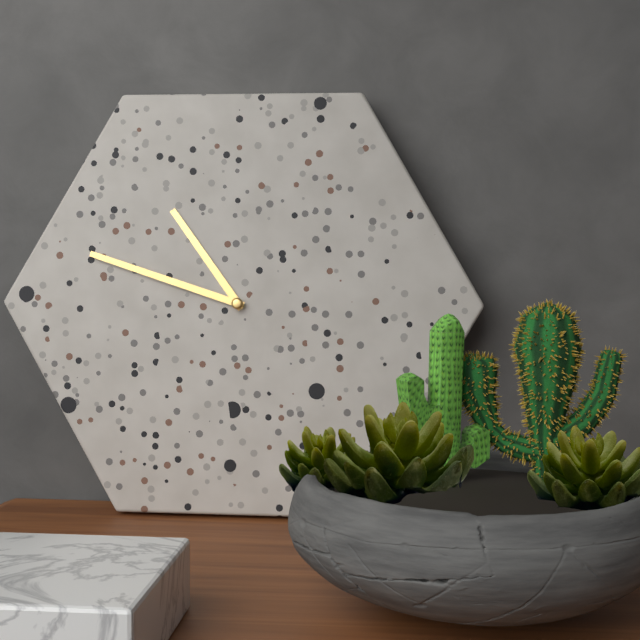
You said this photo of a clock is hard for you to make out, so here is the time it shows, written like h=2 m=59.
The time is h=10 m=48
